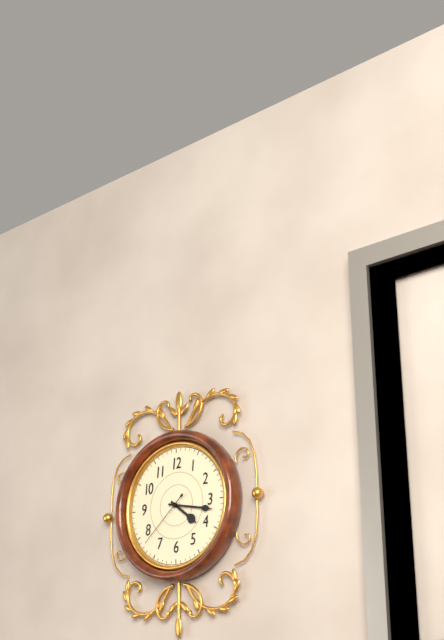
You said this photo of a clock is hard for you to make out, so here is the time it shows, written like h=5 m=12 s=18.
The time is h=4 m=17 s=38
